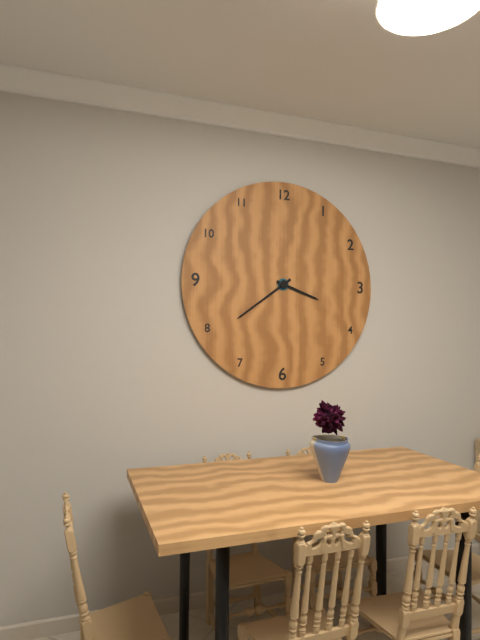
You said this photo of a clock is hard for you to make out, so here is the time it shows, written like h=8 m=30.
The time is h=3 m=39
